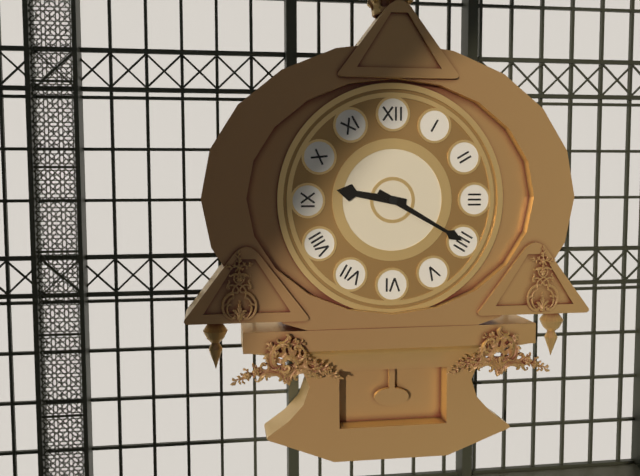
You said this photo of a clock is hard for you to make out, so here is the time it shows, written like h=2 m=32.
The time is h=9 m=20
